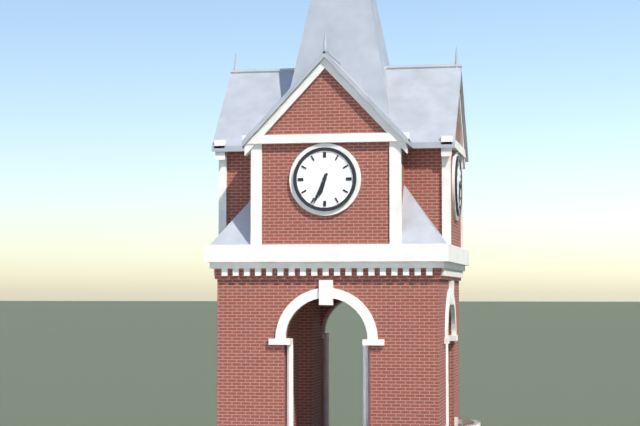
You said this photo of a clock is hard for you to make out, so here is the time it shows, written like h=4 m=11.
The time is h=6 m=34
